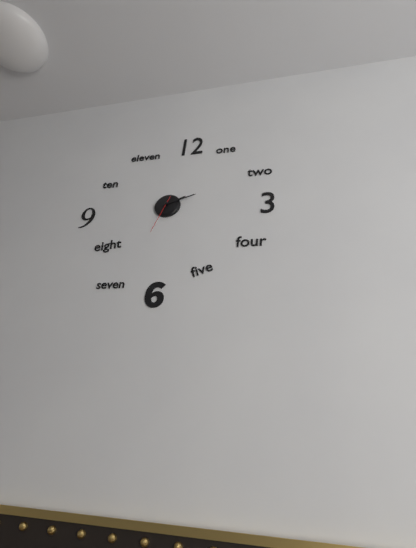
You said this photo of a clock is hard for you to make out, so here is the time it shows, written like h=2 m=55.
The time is h=2 m=12
